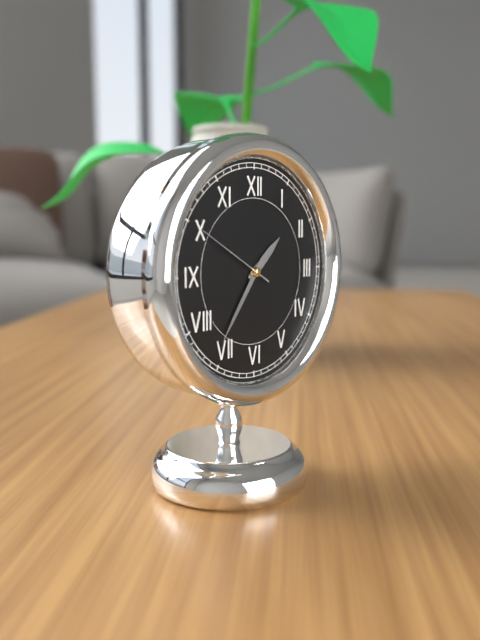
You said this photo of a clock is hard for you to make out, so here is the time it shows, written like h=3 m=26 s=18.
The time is h=1 m=36 s=50
